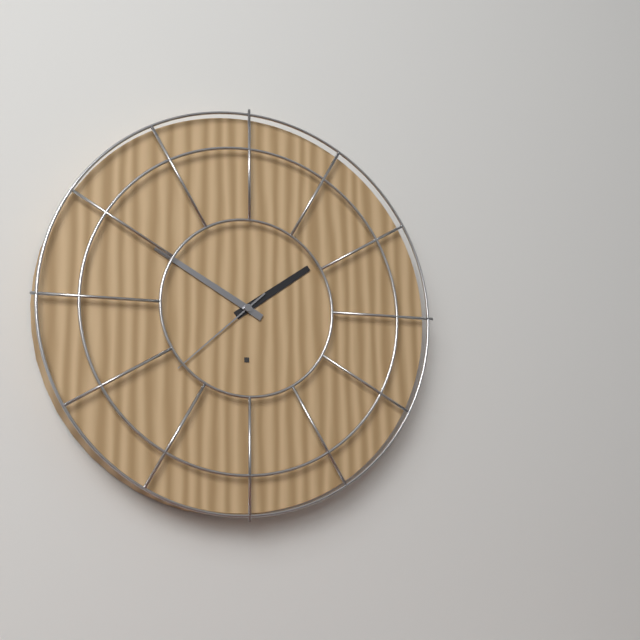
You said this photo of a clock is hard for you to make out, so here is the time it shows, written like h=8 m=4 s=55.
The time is h=1 m=50 s=38
